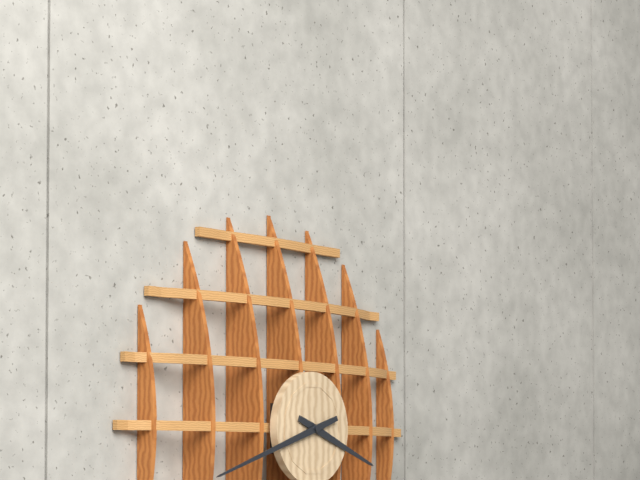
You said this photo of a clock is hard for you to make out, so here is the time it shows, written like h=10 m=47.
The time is h=3 m=42
